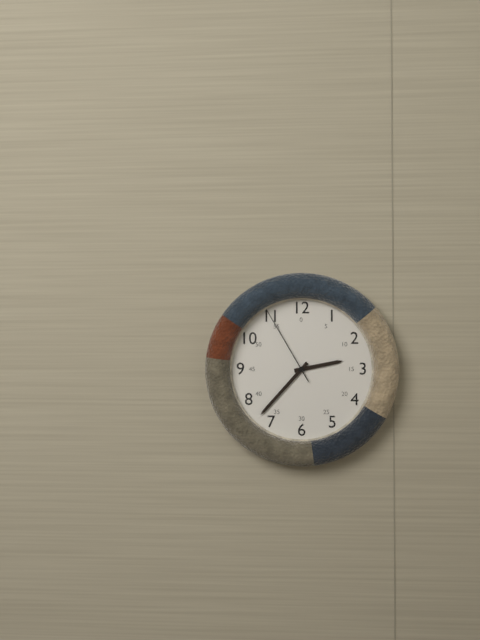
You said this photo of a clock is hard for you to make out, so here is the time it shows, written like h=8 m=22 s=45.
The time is h=2 m=37 s=55
